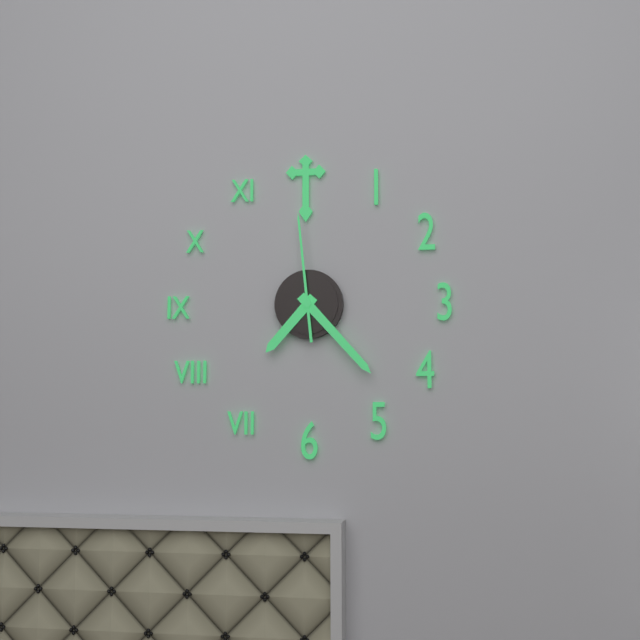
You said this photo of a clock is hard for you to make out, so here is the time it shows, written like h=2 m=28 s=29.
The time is h=7 m=23 s=59
